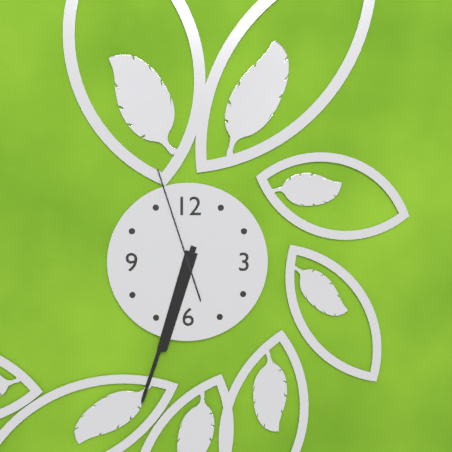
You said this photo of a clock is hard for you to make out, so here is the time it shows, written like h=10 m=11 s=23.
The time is h=6 m=33 s=57
